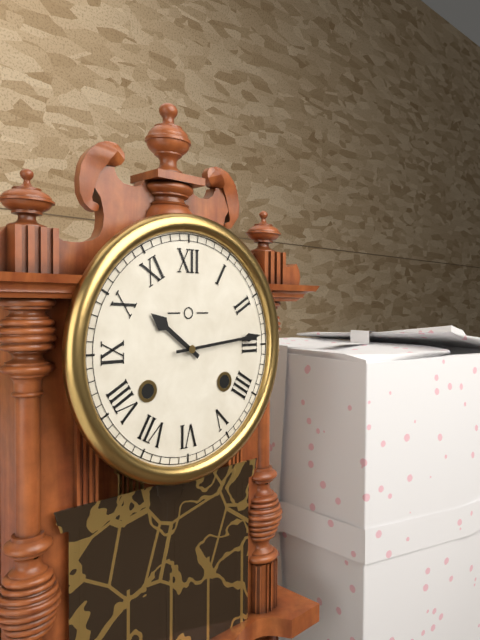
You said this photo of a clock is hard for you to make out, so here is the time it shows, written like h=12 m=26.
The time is h=10 m=14
